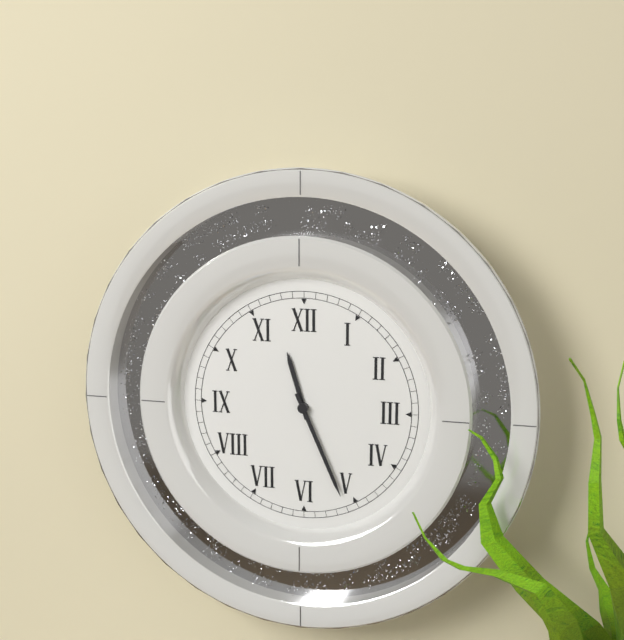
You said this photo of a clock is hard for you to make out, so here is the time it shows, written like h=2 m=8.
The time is h=11 m=26
